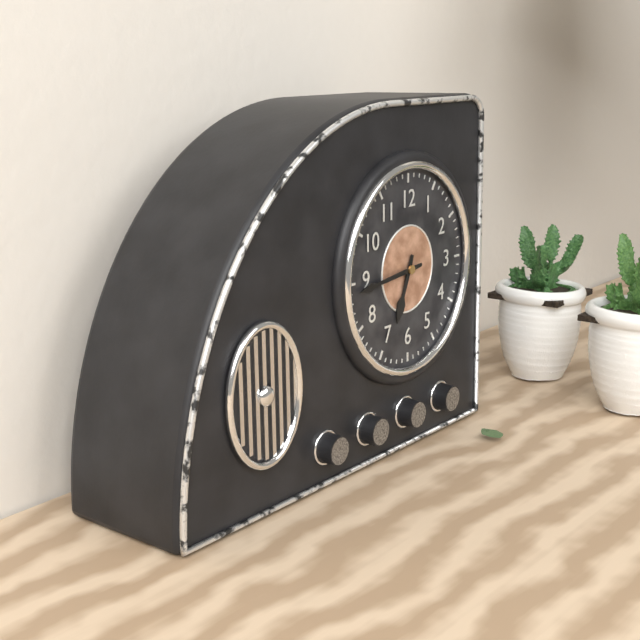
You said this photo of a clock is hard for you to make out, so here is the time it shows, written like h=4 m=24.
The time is h=6 m=44
